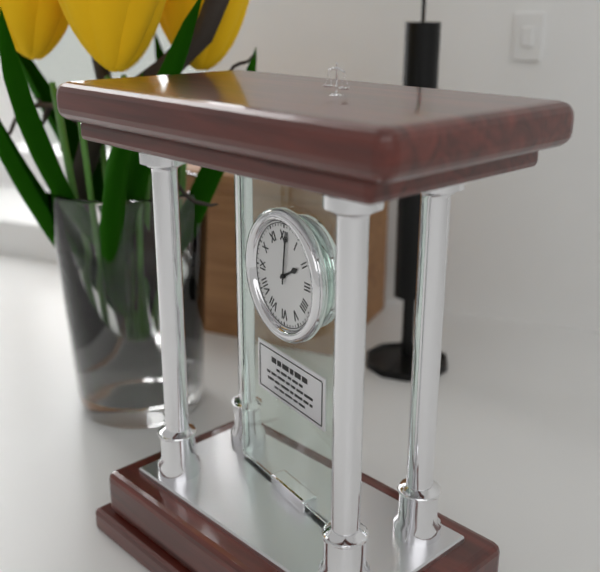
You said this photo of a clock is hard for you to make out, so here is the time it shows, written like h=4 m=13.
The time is h=2 m=1
